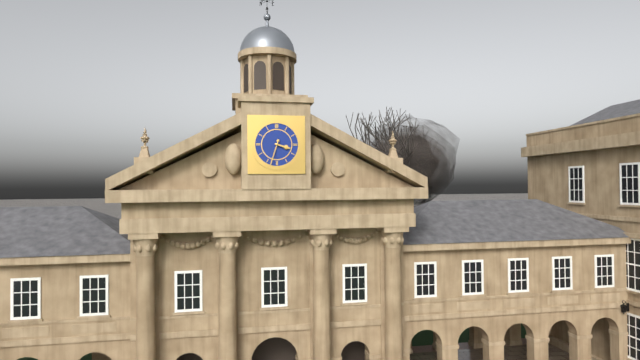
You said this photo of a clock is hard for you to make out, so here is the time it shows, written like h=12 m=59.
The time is h=3 m=33
